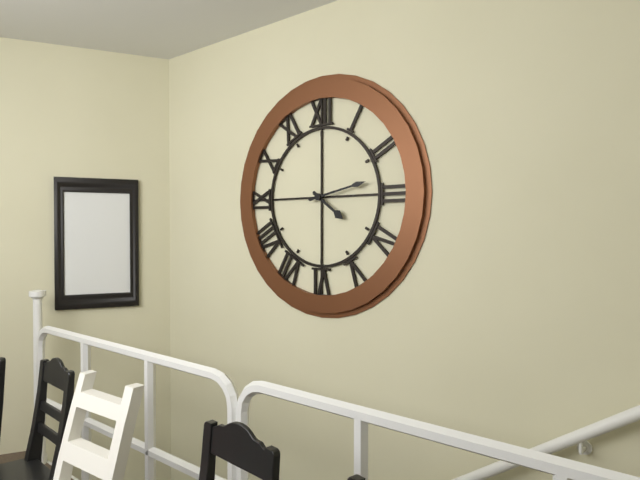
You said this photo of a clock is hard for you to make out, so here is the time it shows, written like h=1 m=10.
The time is h=4 m=13
